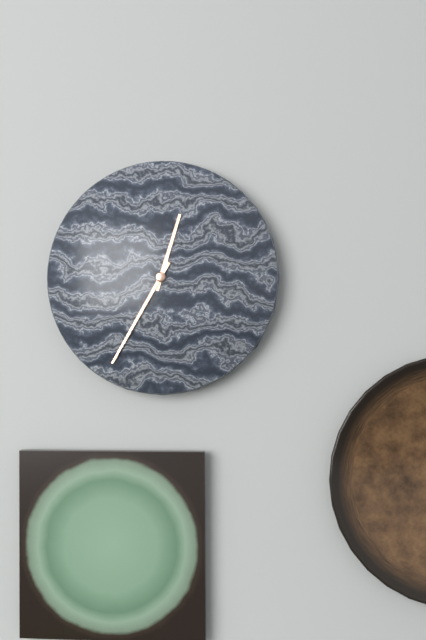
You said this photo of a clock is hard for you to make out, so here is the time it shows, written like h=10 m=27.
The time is h=12 m=35
